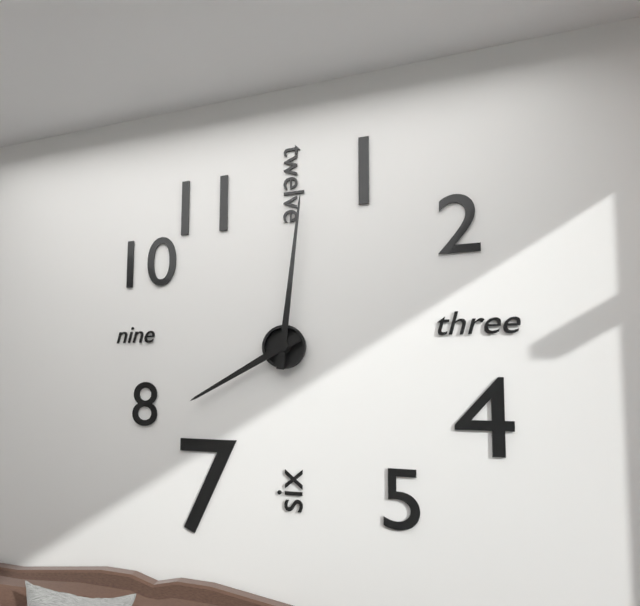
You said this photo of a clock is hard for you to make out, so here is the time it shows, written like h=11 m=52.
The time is h=8 m=1
